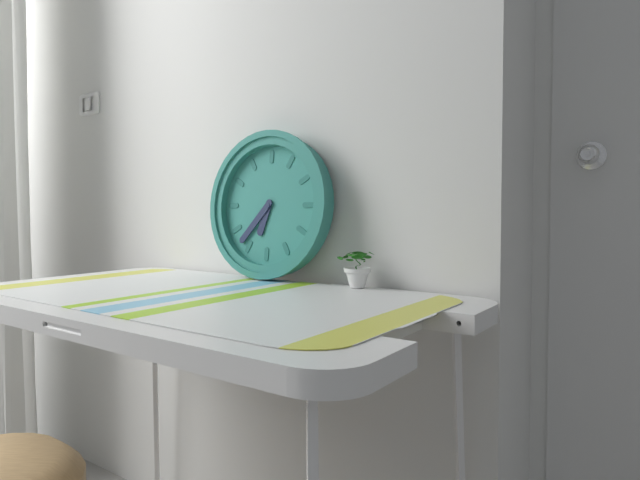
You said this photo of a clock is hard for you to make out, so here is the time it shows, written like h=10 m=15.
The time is h=6 m=37
